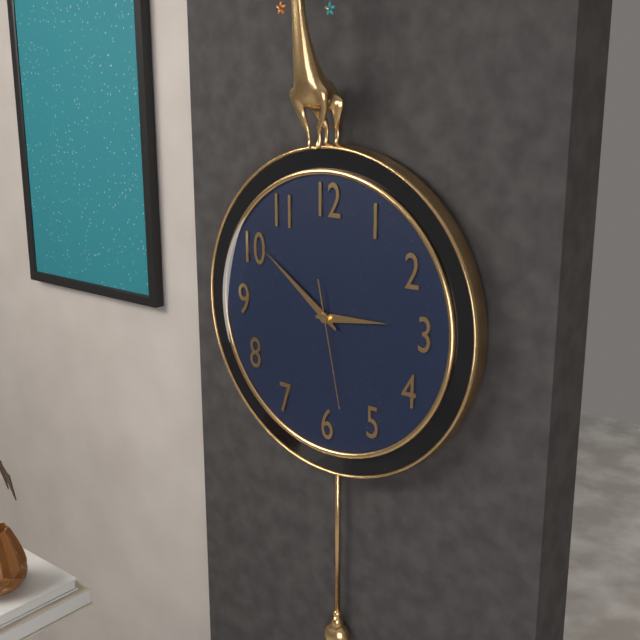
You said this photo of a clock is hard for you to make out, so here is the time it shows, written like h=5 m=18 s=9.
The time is h=2 m=51 s=28
